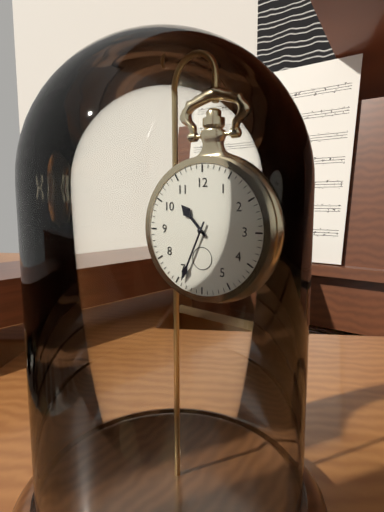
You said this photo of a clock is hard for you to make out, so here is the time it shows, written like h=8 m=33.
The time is h=10 m=34
